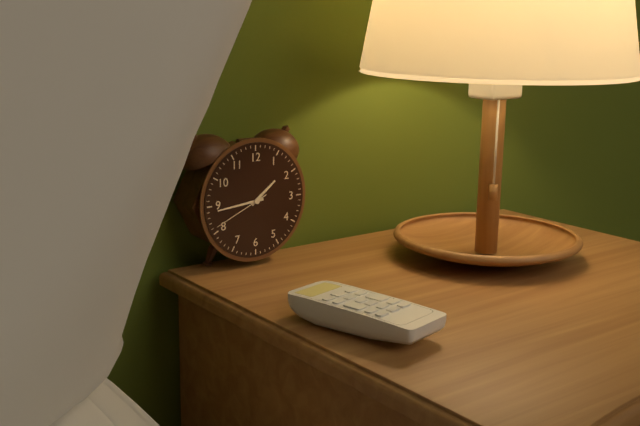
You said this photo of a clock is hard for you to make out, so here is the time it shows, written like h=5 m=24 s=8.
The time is h=1 m=44 s=41
